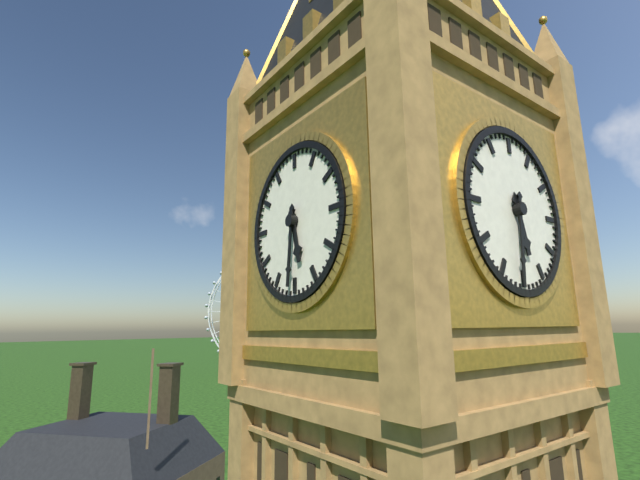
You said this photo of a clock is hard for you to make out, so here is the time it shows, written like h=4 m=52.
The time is h=5 m=31
